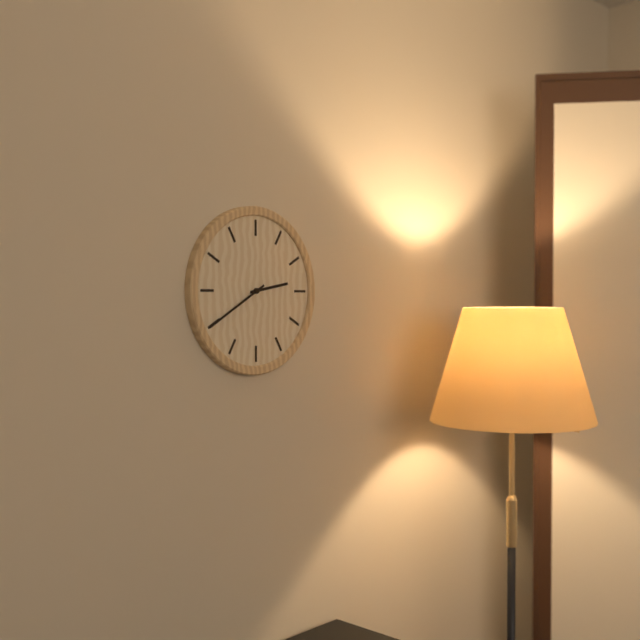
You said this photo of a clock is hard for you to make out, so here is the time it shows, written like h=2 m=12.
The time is h=2 m=40
